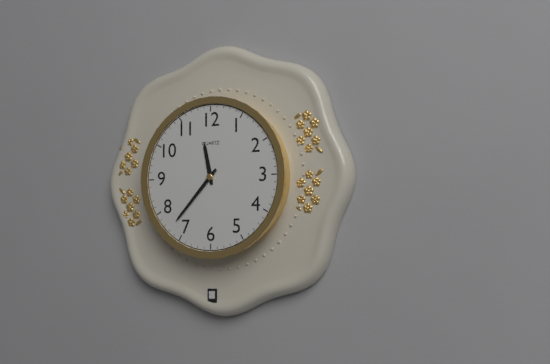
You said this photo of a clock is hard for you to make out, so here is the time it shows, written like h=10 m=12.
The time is h=11 m=37
